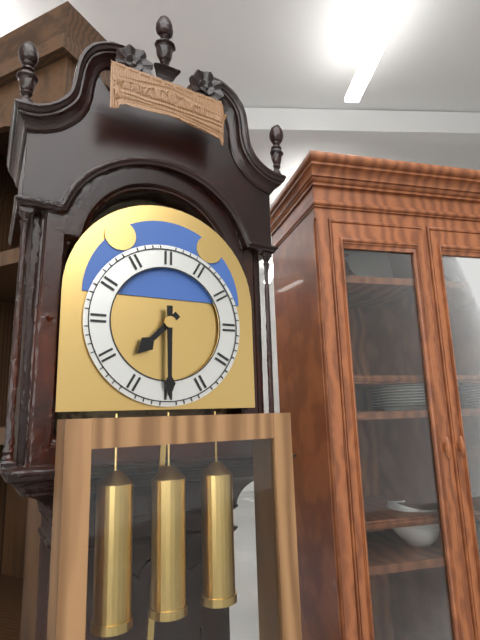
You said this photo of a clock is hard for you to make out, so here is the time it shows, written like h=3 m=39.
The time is h=7 m=30
